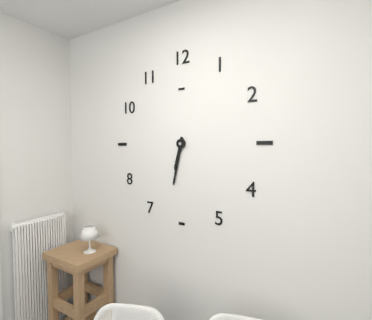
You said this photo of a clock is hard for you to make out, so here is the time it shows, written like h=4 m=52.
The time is h=6 m=32
